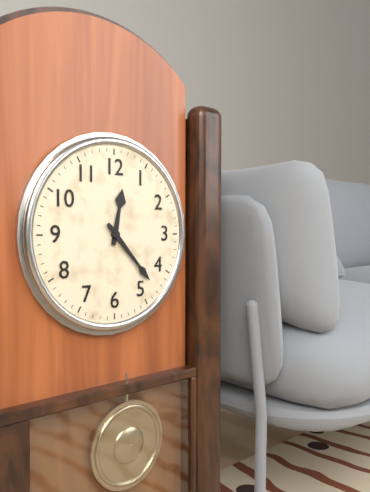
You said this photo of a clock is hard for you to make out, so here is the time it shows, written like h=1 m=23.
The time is h=12 m=23
